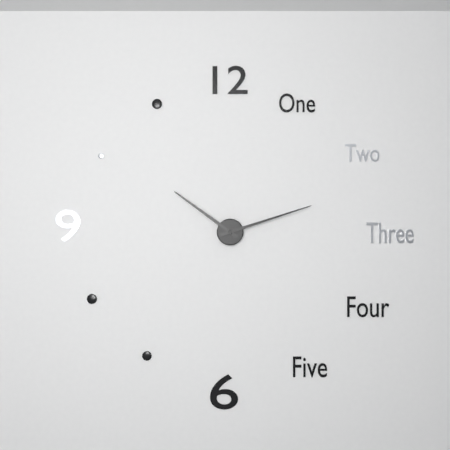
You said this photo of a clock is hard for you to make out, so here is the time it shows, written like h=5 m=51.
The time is h=10 m=12
